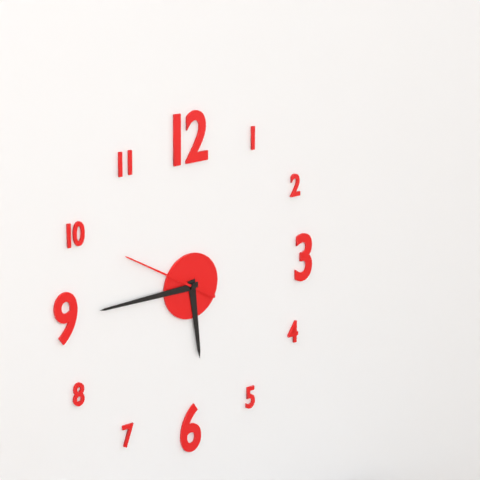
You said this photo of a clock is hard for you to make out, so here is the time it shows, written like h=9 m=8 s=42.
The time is h=5 m=45 s=50
